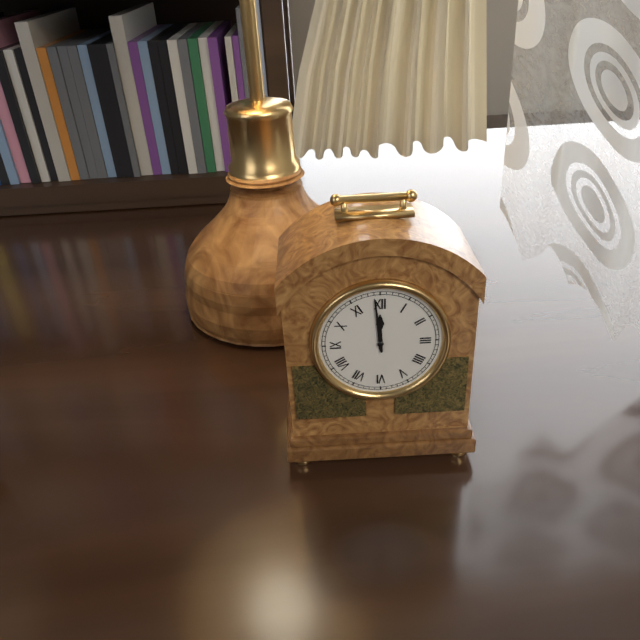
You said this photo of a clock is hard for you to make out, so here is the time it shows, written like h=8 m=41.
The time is h=11 m=59
